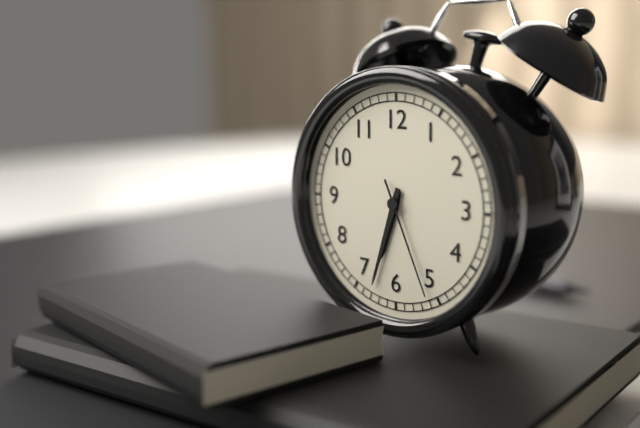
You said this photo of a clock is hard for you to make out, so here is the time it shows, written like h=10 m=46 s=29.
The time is h=6 m=33 s=26
